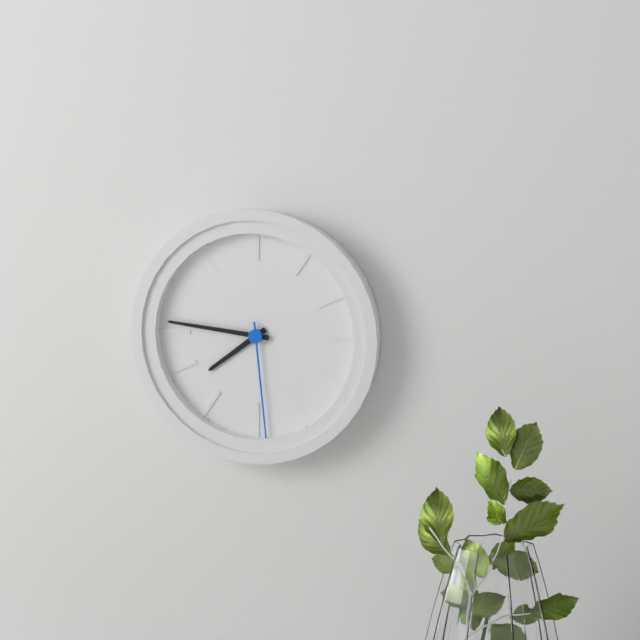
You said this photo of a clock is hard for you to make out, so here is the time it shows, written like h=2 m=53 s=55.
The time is h=7 m=46 s=29
